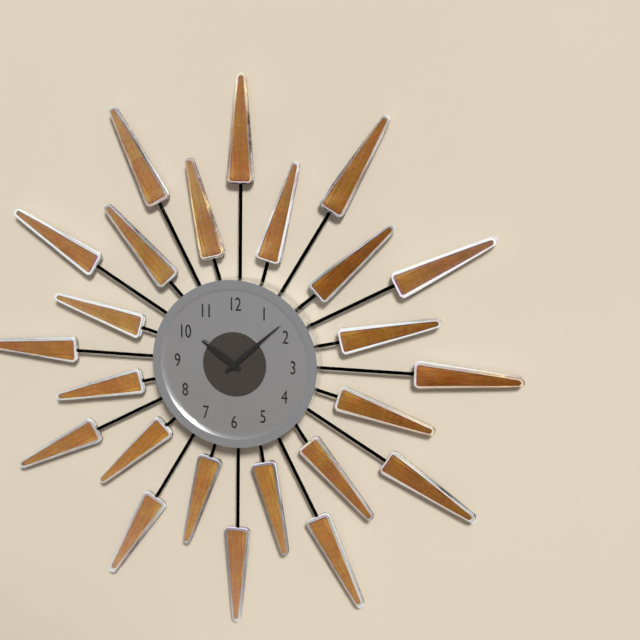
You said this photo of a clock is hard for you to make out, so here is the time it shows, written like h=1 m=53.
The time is h=10 m=8
